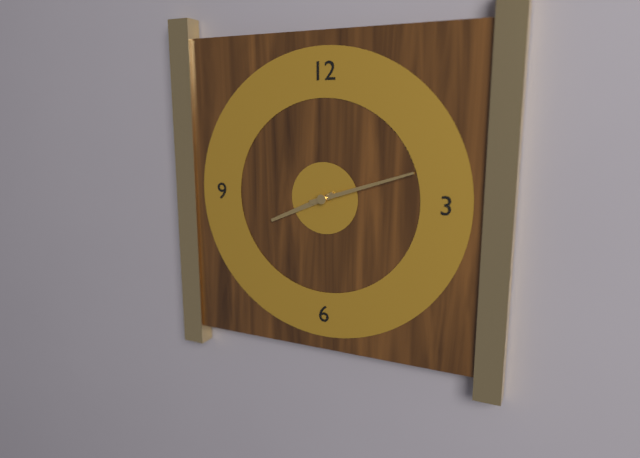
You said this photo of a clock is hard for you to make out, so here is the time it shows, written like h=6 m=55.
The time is h=8 m=12
